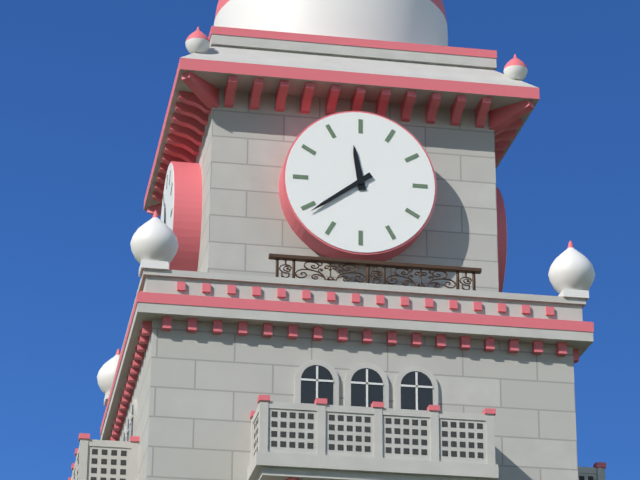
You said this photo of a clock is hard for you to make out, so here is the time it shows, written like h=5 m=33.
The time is h=11 m=39
